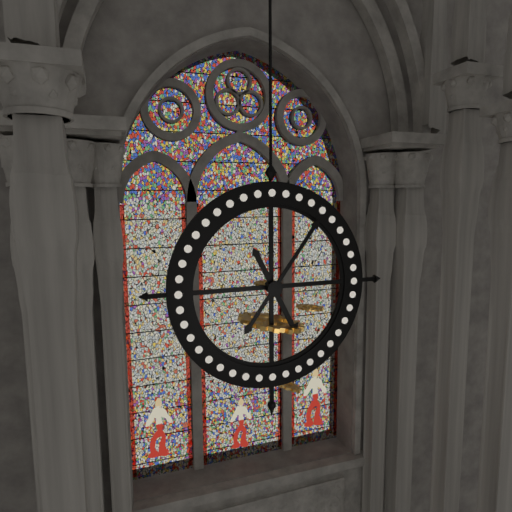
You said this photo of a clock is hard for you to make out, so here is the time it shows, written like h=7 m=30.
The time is h=5 m=6
